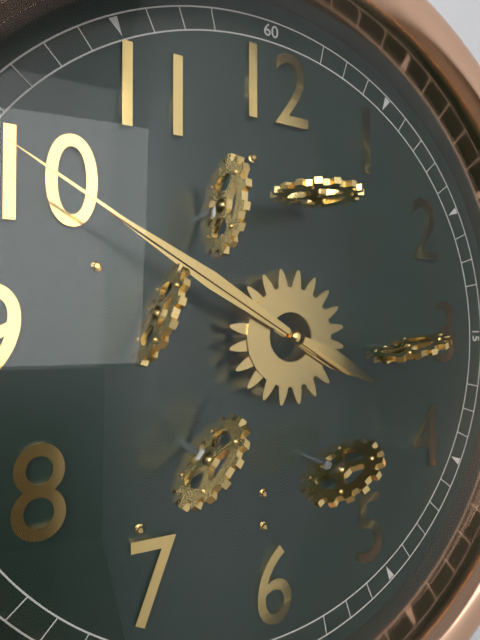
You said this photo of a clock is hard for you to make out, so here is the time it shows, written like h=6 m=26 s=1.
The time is h=3 m=50 s=50
